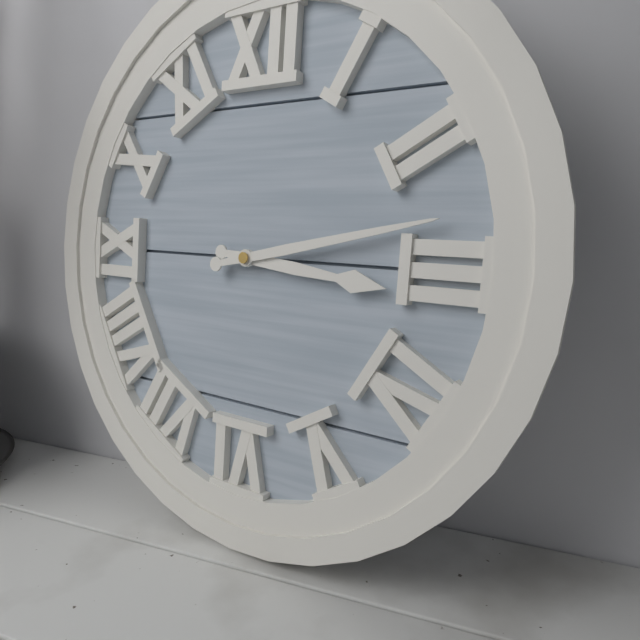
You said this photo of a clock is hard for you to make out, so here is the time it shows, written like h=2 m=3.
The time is h=3 m=13
